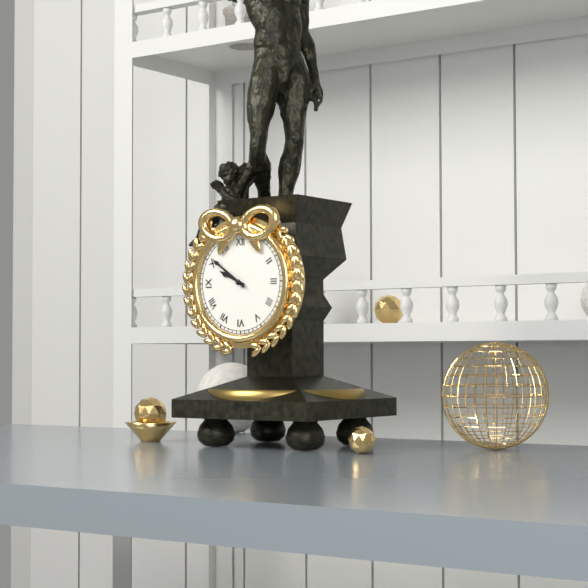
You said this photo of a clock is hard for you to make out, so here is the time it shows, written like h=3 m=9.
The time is h=9 m=51
